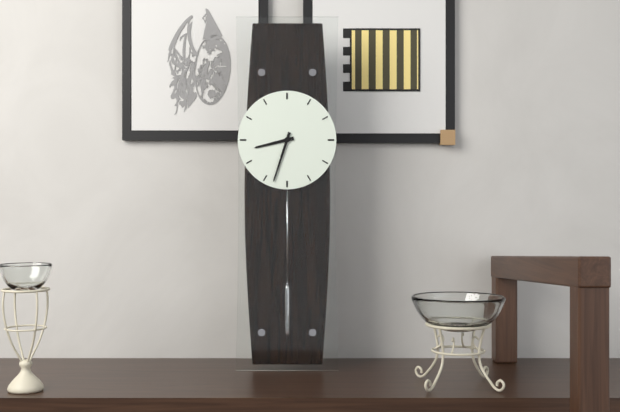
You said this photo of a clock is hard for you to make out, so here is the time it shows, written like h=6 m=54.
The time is h=8 m=33
